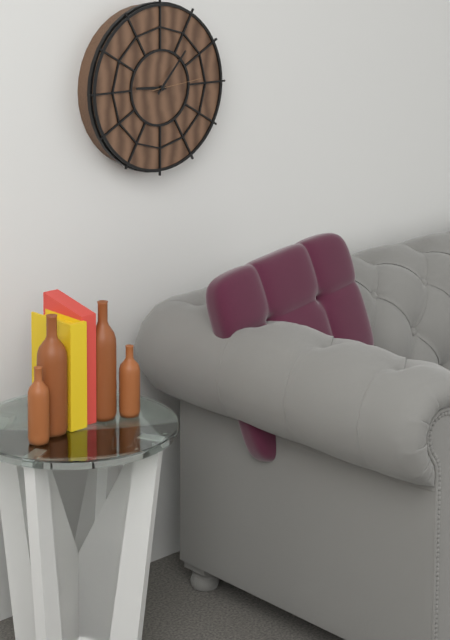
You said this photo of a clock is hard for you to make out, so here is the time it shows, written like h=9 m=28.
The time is h=9 m=7
